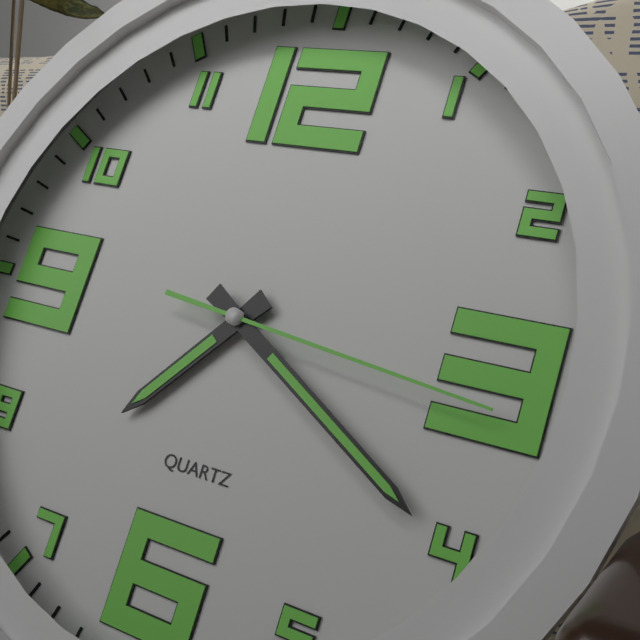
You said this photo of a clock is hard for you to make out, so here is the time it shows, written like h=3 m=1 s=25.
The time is h=7 m=20 s=16
